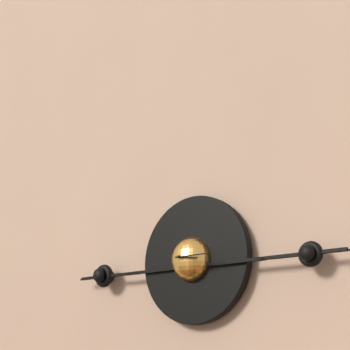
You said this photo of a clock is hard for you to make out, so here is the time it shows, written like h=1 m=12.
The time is h=3 m=15
